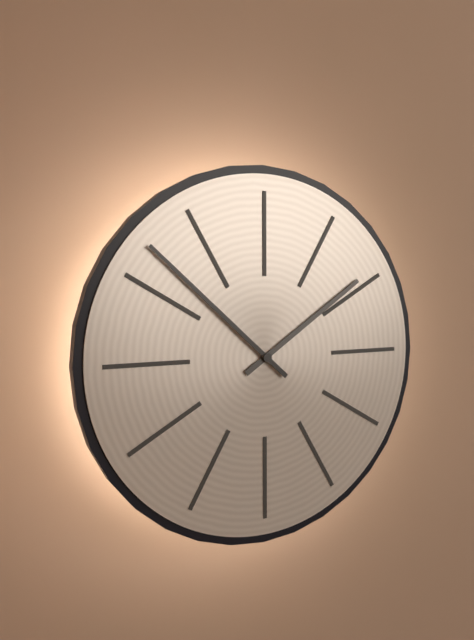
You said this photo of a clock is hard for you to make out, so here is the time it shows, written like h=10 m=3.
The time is h=1 m=52
